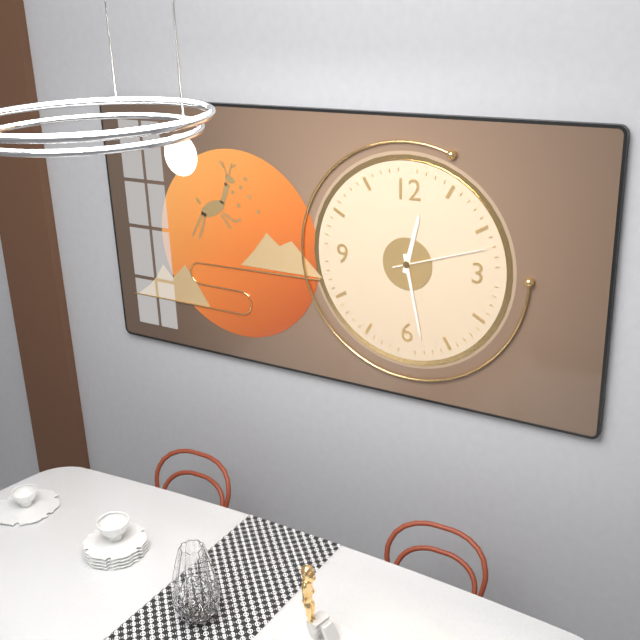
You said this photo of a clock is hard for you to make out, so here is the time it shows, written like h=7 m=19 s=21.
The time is h=12 m=28 s=12
